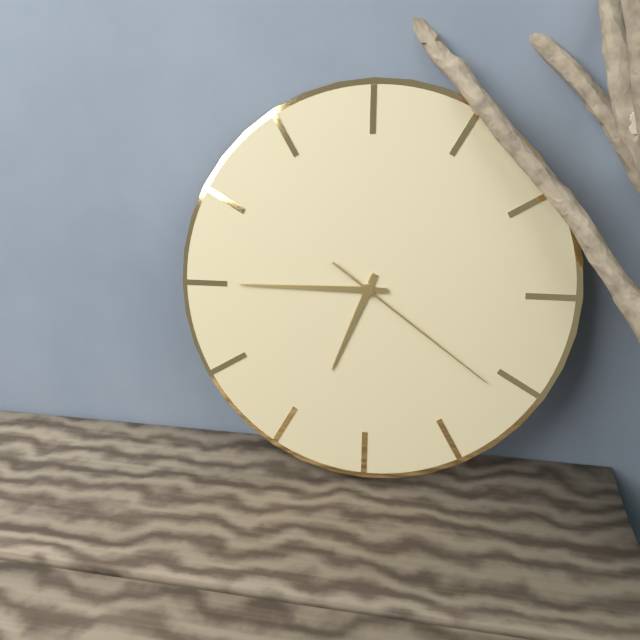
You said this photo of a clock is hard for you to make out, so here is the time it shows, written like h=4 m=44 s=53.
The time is h=6 m=45 s=21
